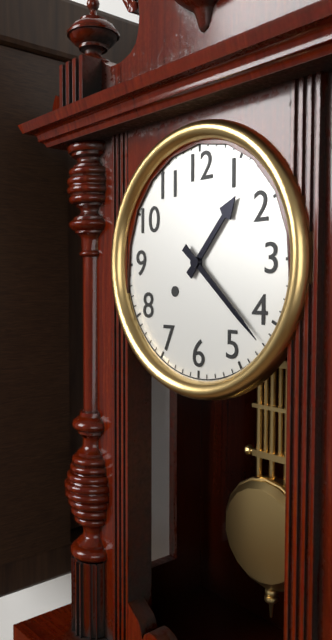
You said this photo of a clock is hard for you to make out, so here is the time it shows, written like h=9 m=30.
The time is h=1 m=22
